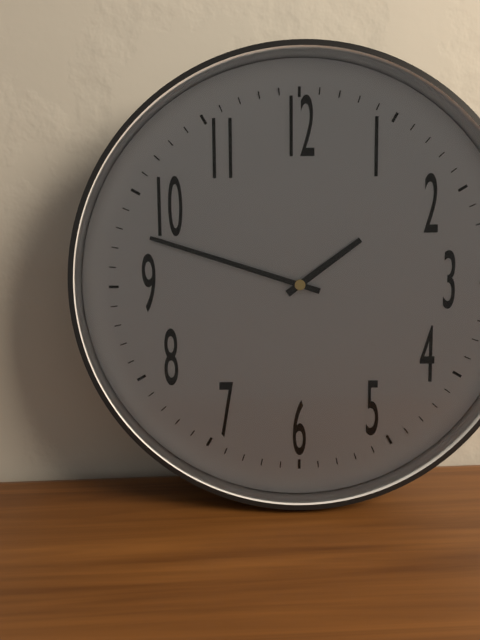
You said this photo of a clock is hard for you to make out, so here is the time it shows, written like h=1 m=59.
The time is h=1 m=48
